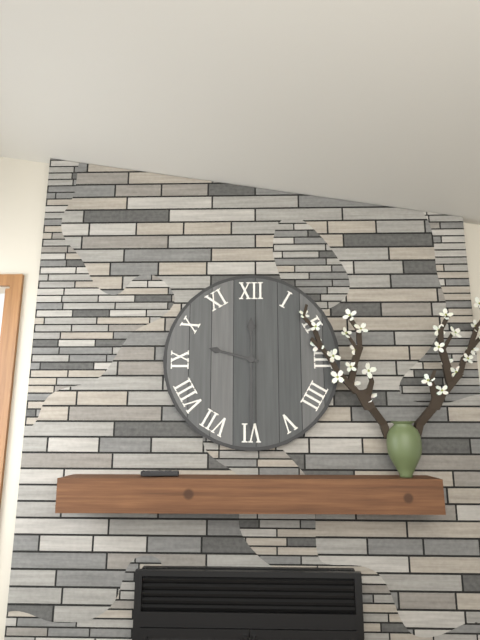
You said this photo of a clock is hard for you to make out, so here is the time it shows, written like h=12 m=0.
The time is h=9 m=30
